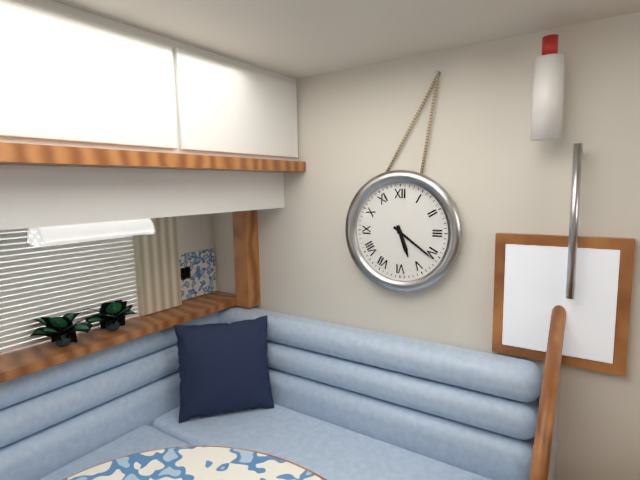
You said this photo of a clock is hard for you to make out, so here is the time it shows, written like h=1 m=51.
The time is h=5 m=21
